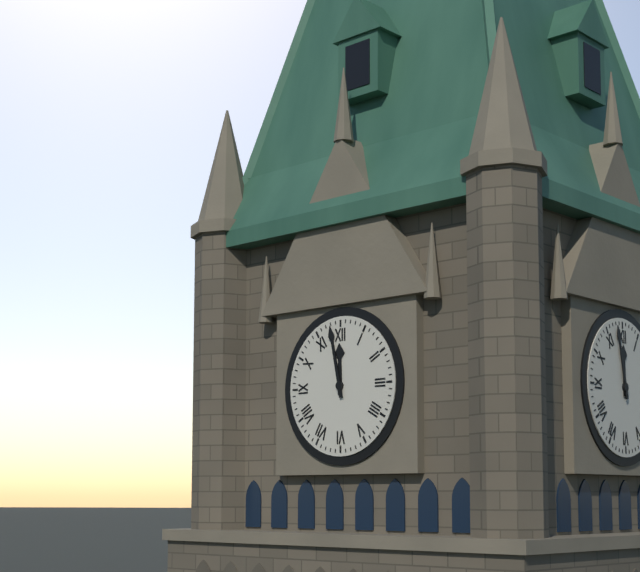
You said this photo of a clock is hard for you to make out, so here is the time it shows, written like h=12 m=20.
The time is h=11 m=58
